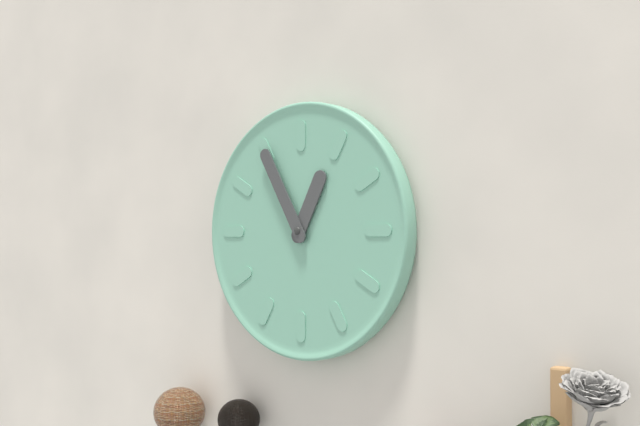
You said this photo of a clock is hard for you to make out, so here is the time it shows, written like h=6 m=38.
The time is h=12 m=55
